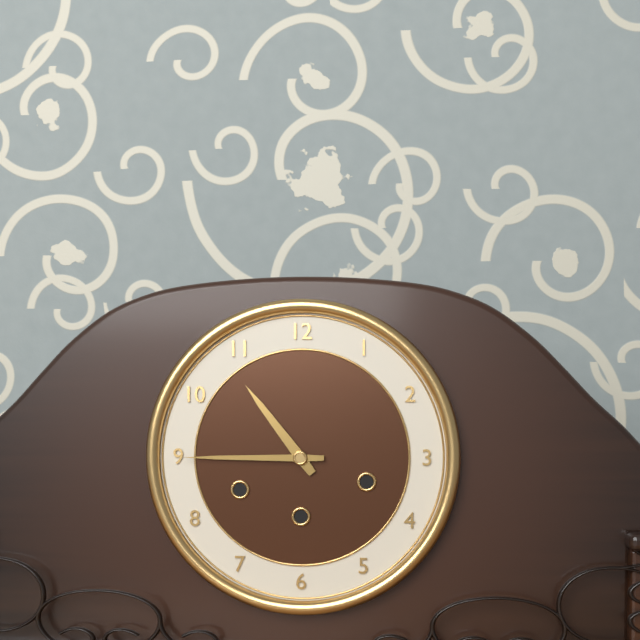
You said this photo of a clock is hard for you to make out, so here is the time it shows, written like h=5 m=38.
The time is h=10 m=45
